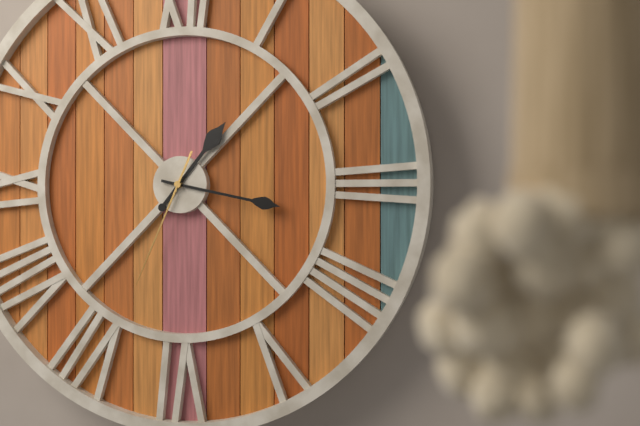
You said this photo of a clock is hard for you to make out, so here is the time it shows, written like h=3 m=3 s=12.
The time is h=1 m=17 s=34
